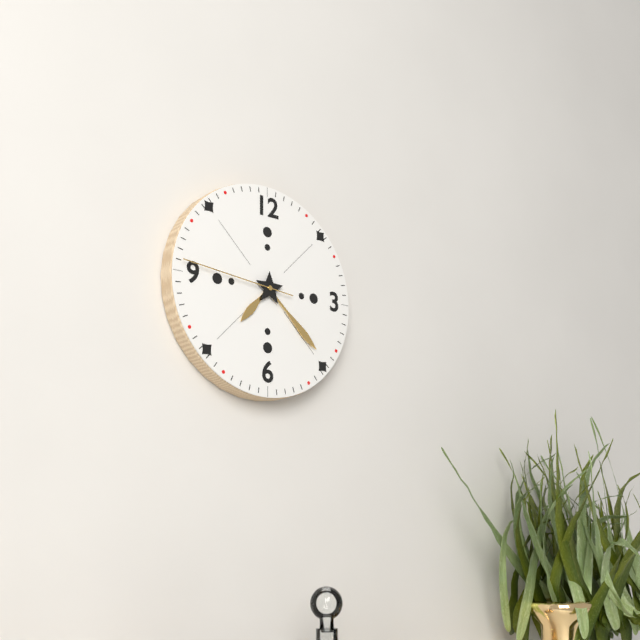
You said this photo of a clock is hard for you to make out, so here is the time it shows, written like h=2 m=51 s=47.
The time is h=7 m=22 s=46
